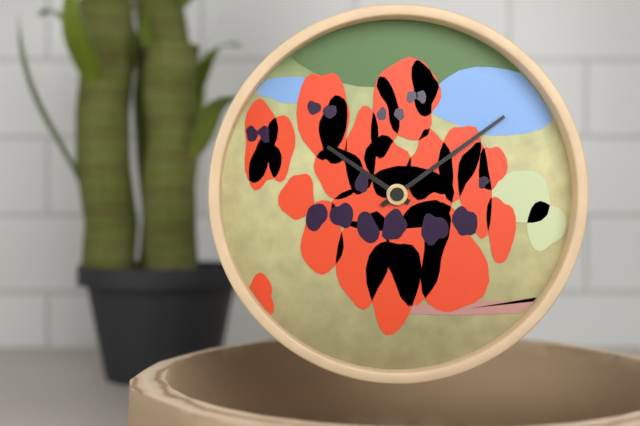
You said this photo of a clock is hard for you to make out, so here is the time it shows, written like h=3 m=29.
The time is h=10 m=9
